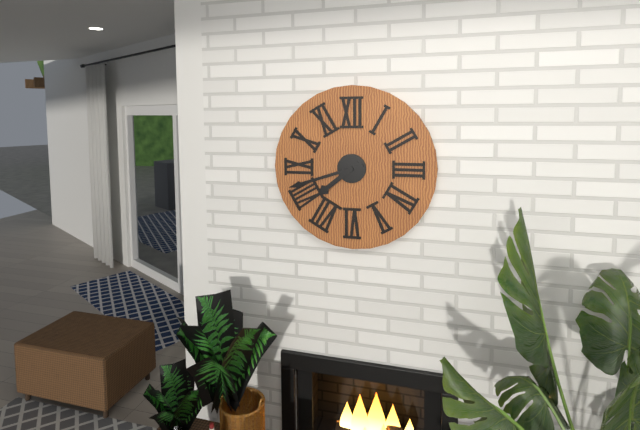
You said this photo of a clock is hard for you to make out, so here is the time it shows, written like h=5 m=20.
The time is h=7 m=42
